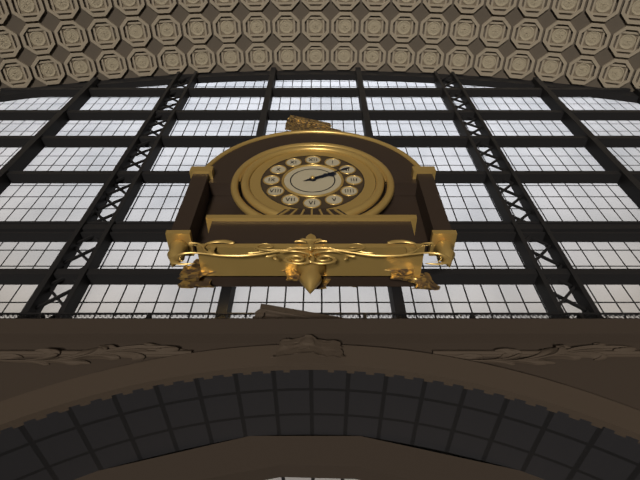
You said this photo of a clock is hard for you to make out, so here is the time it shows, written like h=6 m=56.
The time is h=2 m=10
